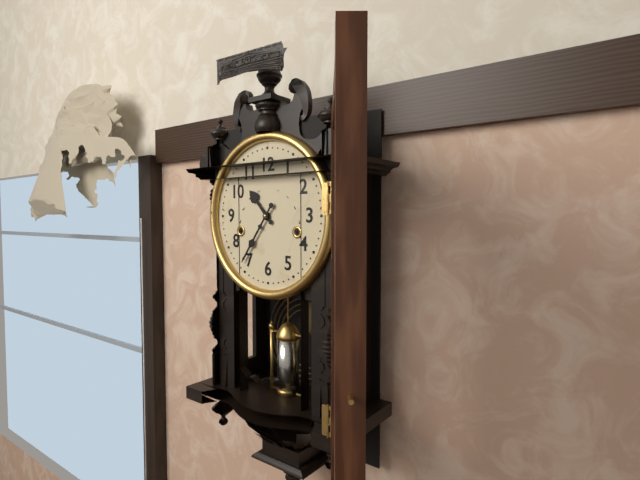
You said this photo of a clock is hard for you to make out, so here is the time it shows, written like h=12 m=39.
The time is h=10 m=36
